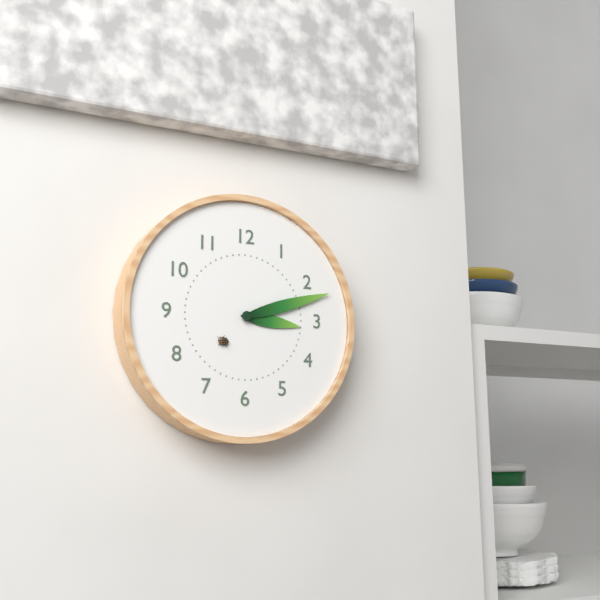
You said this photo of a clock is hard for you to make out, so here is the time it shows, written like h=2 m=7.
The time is h=3 m=12
